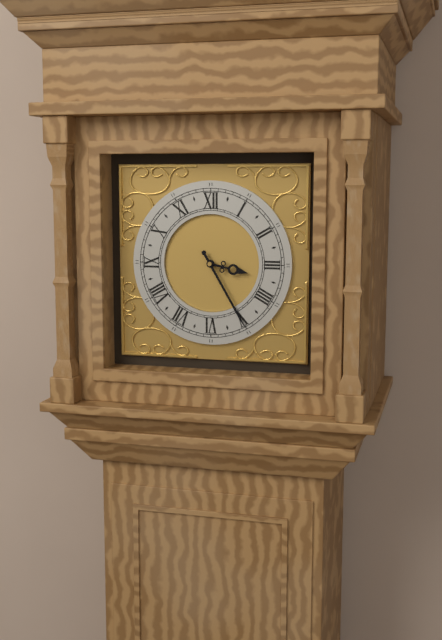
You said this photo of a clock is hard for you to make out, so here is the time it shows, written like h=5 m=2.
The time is h=3 m=25
